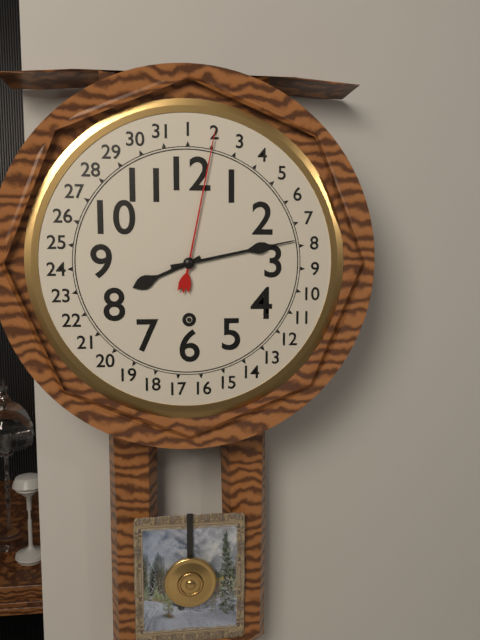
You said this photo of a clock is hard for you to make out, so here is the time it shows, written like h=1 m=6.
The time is h=8 m=13
